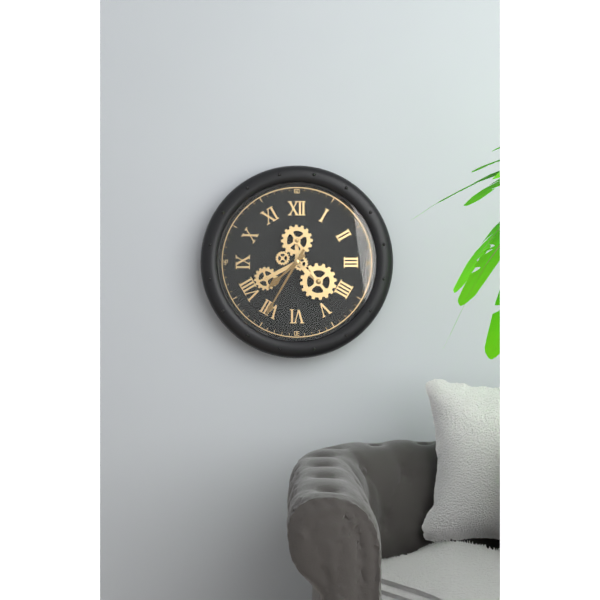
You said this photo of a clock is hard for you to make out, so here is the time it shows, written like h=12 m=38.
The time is h=7 m=35
